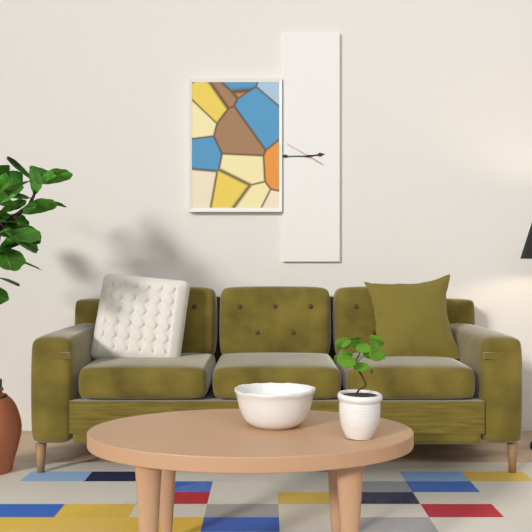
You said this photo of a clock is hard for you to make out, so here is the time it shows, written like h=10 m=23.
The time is h=2 m=45
